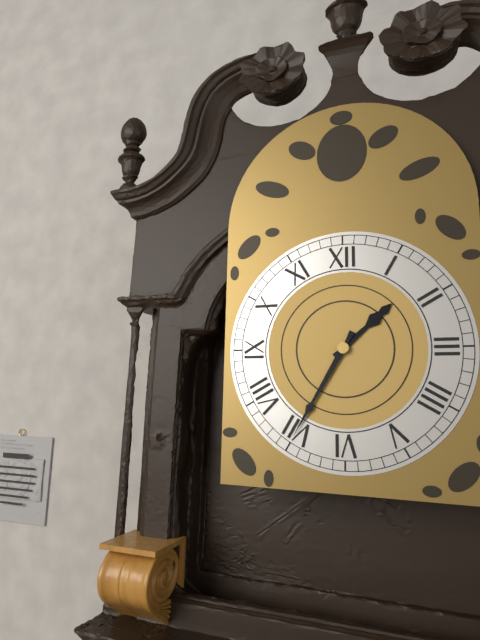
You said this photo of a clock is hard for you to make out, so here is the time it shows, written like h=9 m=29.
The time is h=1 m=35
